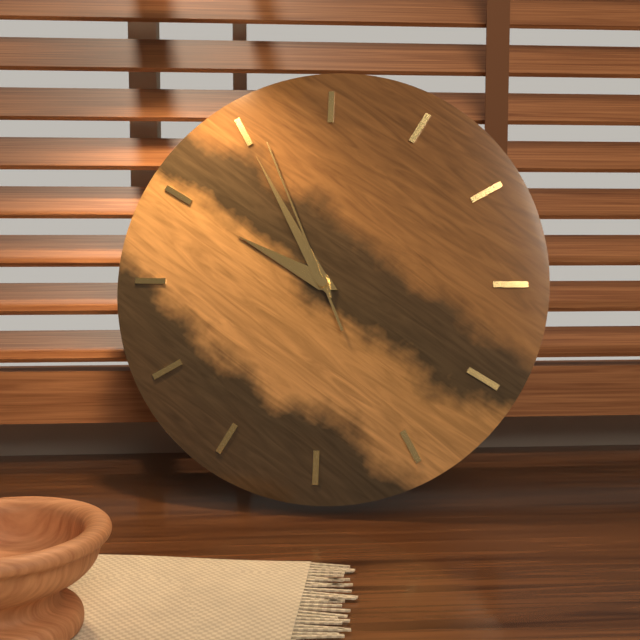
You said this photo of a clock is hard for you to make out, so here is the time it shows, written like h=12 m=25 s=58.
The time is h=9 m=55 s=56
